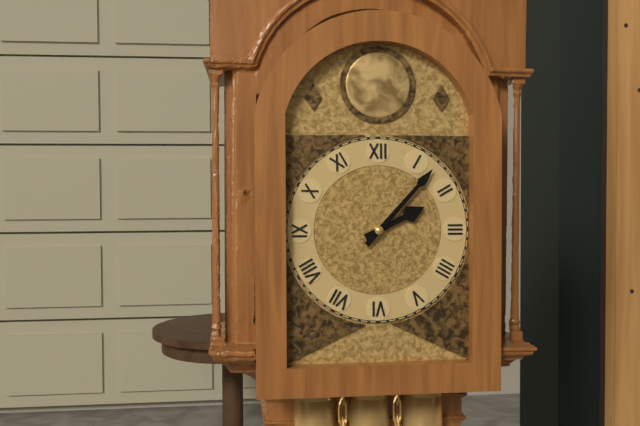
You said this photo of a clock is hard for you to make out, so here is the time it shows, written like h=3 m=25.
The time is h=2 m=7
